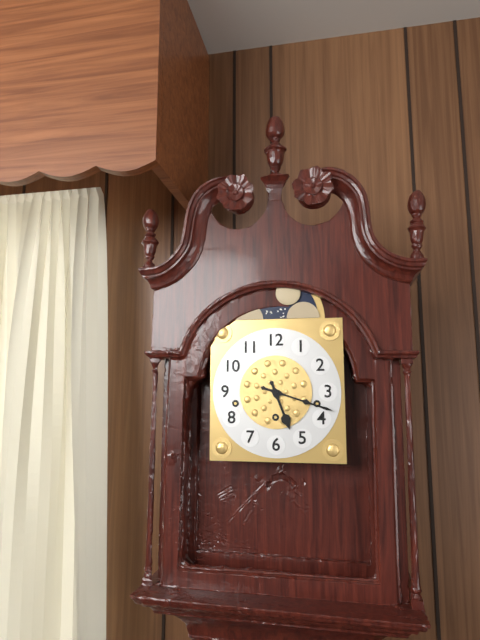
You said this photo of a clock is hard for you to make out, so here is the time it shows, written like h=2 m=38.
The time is h=5 m=18
